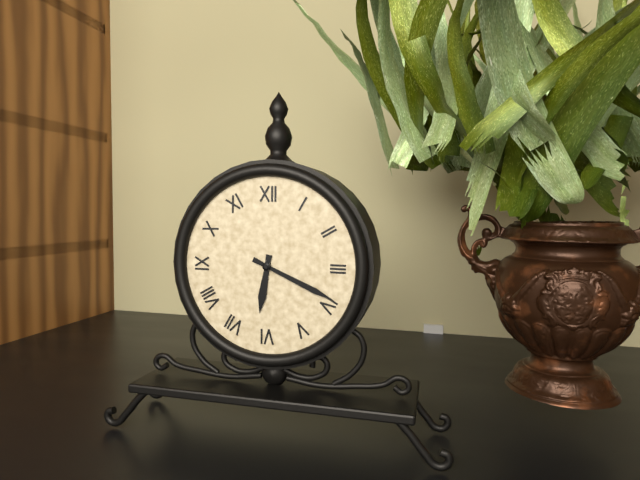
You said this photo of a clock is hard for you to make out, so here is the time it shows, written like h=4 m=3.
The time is h=6 m=19
